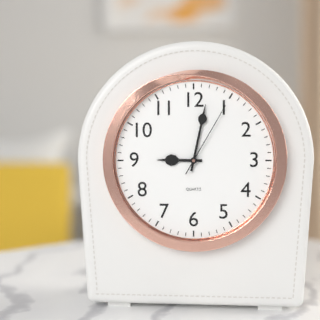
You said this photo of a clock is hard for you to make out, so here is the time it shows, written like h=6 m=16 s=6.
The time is h=9 m=2 s=5
